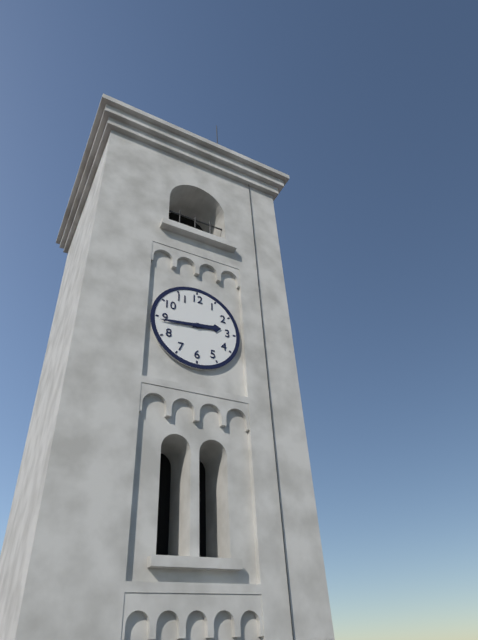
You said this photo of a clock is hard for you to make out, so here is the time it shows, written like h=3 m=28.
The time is h=2 m=44
